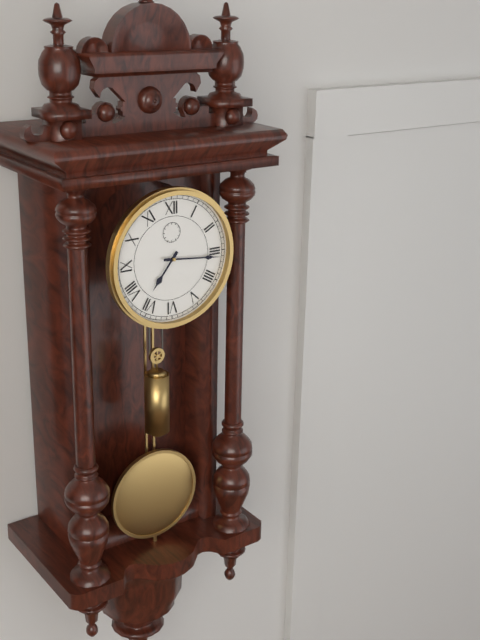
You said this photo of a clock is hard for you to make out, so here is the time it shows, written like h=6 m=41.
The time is h=7 m=16
